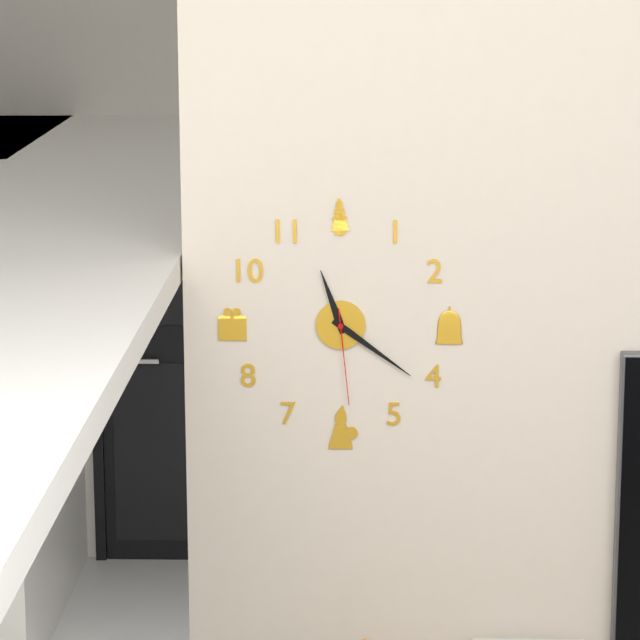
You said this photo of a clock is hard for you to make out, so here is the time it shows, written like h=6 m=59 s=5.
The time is h=11 m=21 s=29
